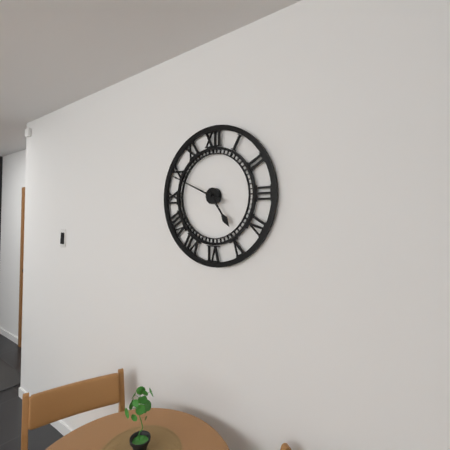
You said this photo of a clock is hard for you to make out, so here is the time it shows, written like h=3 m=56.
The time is h=4 m=49
